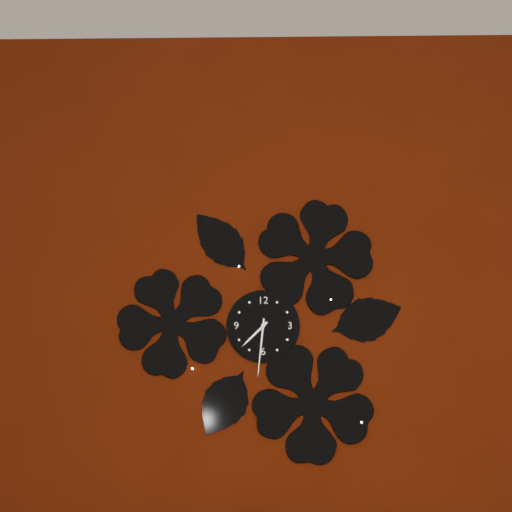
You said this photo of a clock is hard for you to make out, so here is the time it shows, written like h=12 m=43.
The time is h=7 m=31
